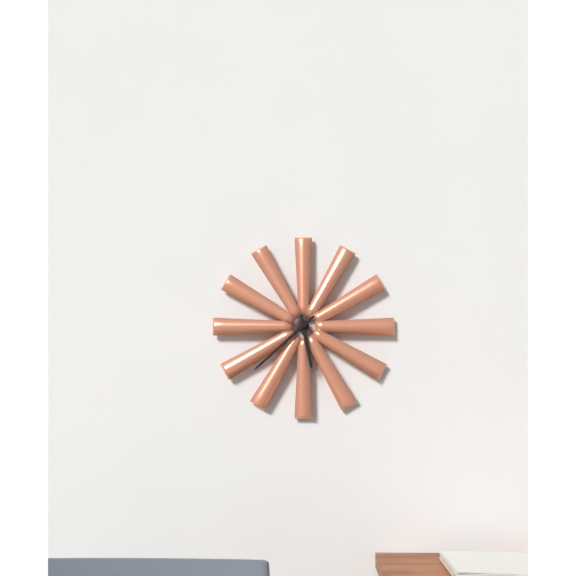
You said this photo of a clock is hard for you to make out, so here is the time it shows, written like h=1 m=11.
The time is h=5 m=38
